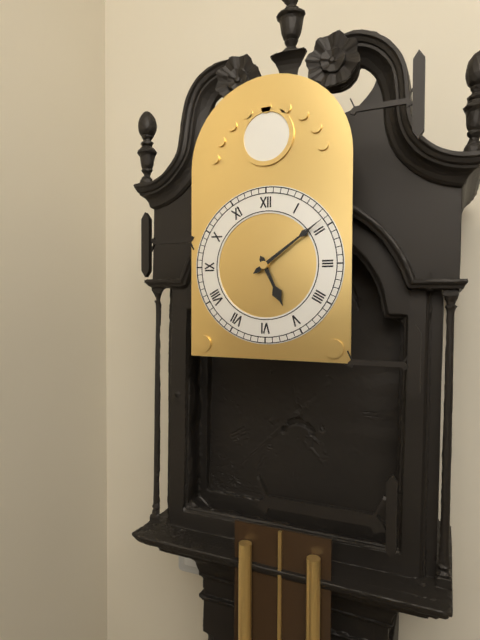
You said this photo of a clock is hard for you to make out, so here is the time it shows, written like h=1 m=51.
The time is h=5 m=9
